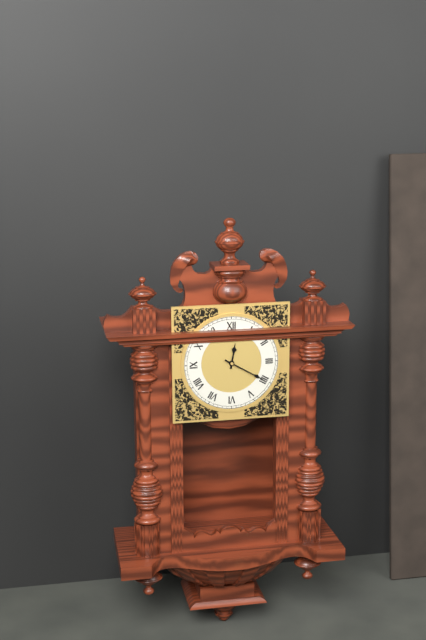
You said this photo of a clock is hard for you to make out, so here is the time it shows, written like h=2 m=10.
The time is h=12 m=20
